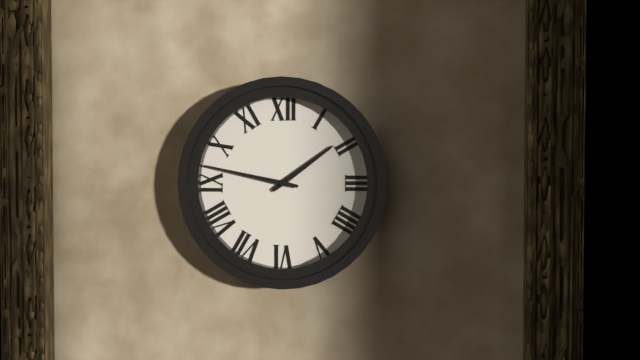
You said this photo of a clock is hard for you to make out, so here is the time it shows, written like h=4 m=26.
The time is h=1 m=47
